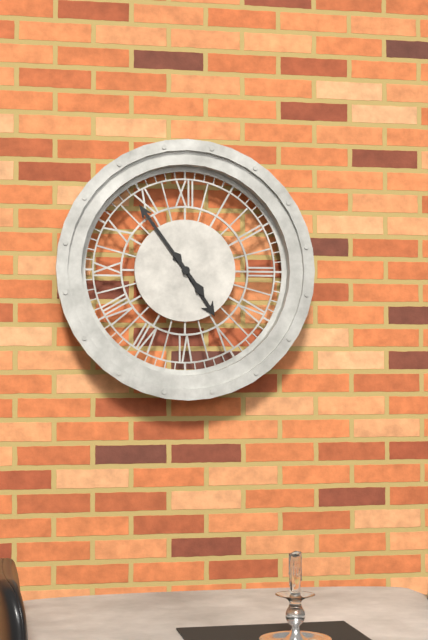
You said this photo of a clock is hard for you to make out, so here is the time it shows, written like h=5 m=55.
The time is h=4 m=54
